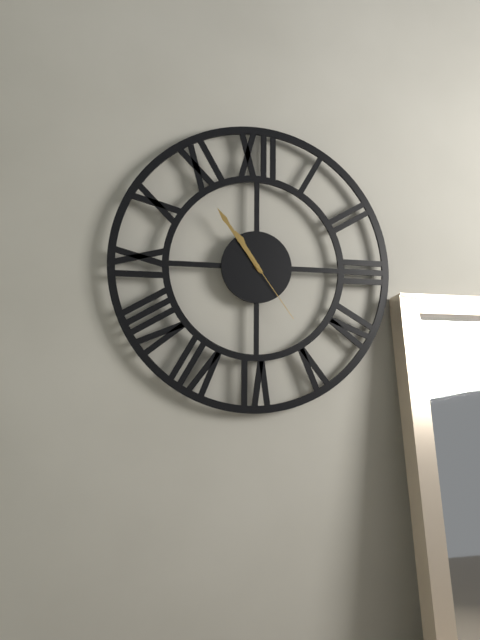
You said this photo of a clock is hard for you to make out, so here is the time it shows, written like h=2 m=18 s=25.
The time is h=10 m=54 s=24
